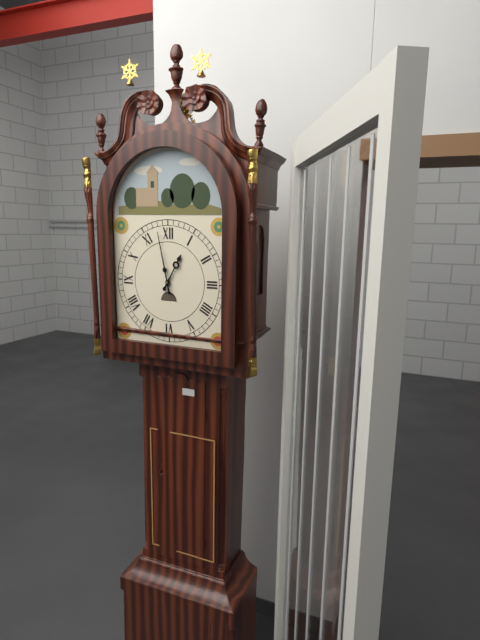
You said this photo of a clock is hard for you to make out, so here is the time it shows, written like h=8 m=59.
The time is h=12 m=58
